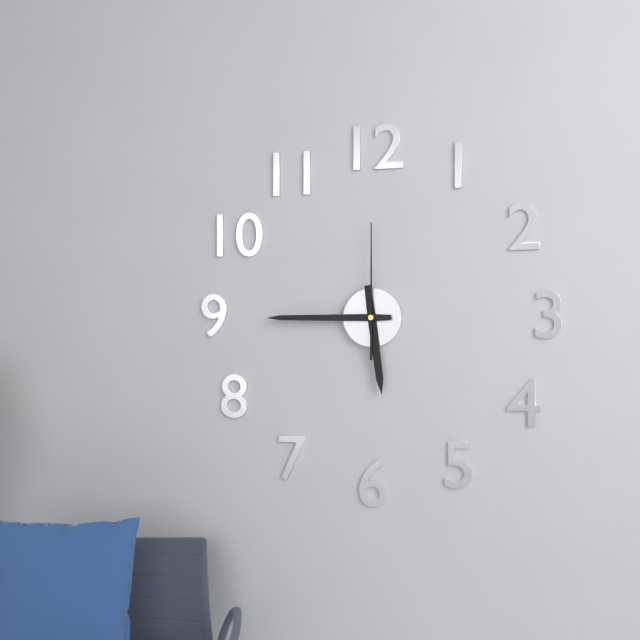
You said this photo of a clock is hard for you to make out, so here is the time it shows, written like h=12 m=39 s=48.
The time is h=5 m=45 s=0
